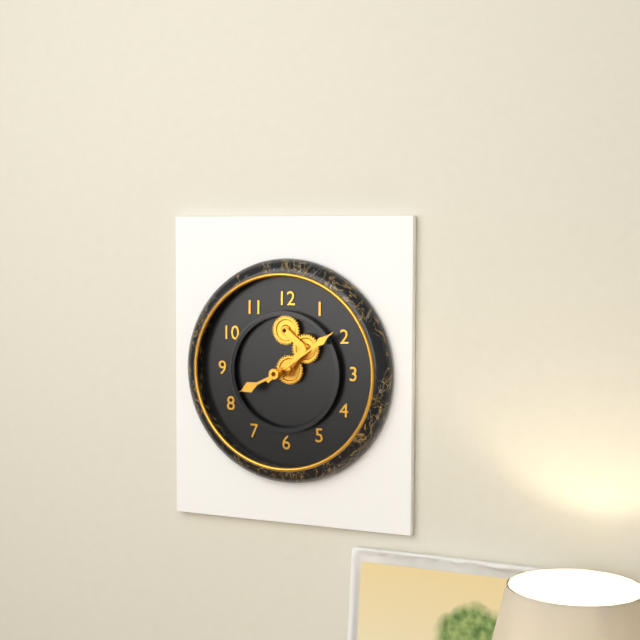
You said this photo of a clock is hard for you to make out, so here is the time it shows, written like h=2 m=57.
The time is h=8 m=9
